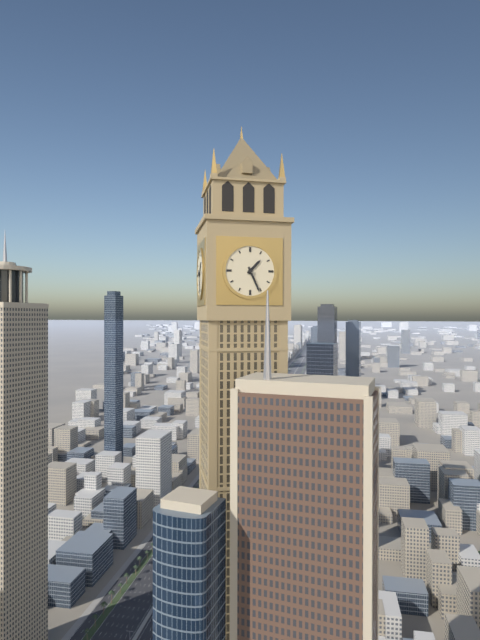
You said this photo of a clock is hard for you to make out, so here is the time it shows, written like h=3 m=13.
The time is h=1 m=26
